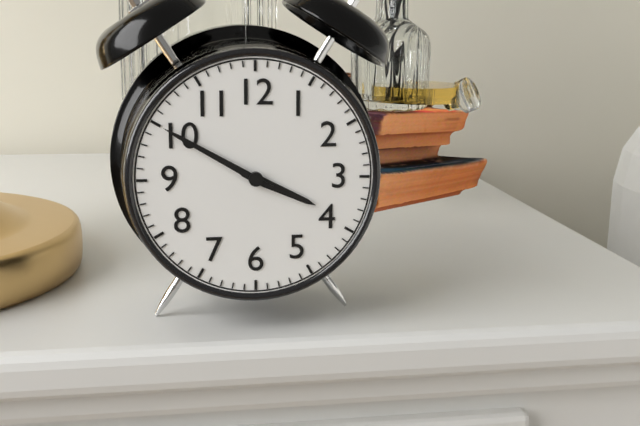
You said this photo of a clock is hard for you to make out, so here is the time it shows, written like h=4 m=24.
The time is h=3 m=50
